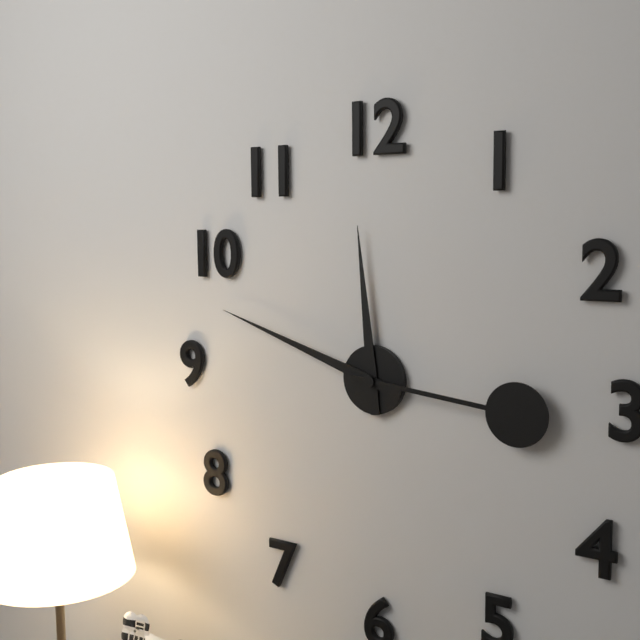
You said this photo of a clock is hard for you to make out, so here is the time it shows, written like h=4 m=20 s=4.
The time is h=11 m=48 s=16
